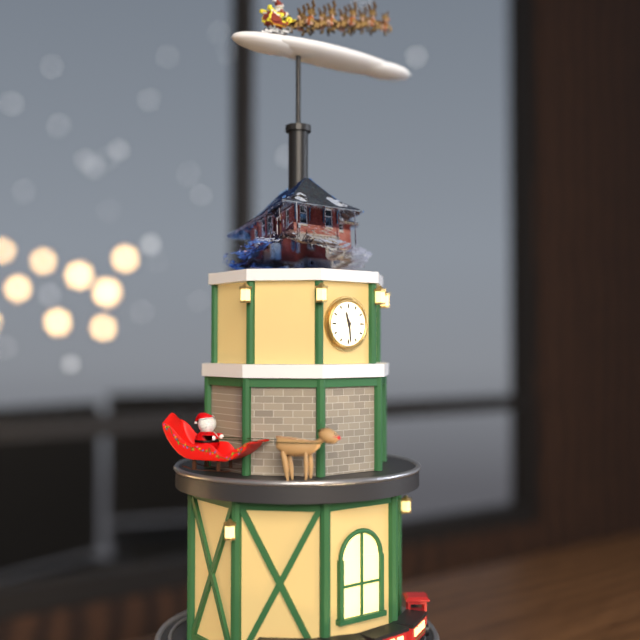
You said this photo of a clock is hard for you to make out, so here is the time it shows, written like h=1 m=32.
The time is h=11 m=29
